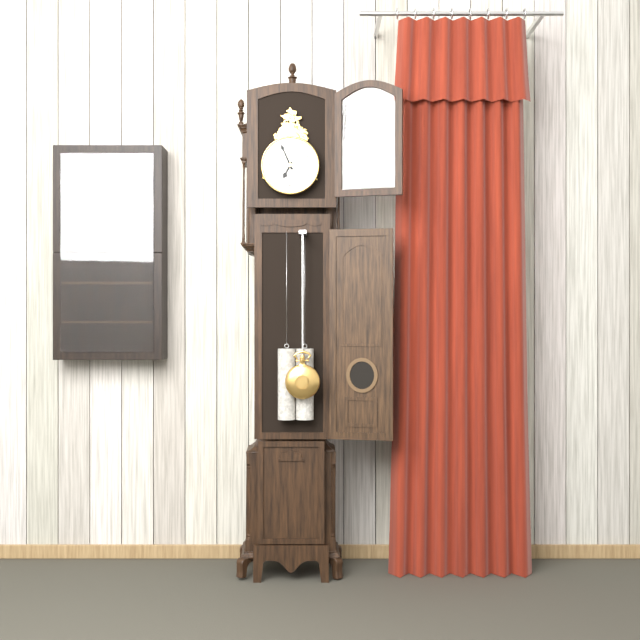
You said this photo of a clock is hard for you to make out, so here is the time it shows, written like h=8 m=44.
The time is h=6 m=56
